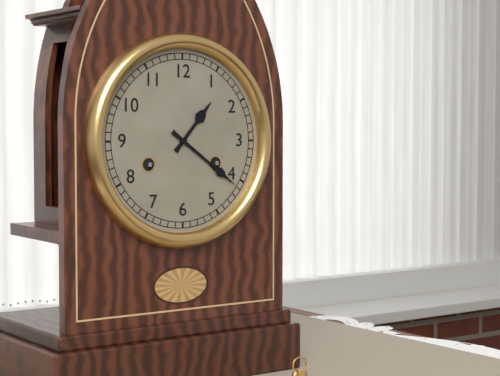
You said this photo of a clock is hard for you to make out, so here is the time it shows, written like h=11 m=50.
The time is h=1 m=21
